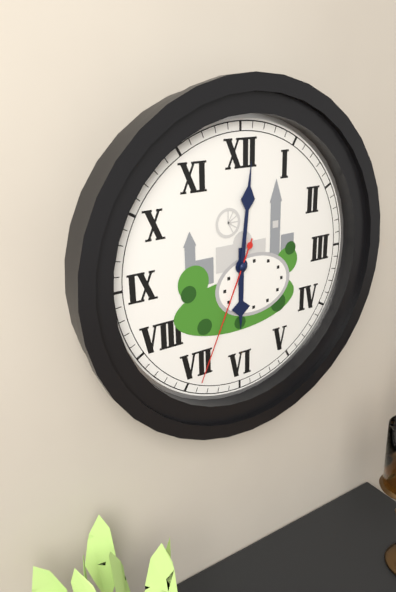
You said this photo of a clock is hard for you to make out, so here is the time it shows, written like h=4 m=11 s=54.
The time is h=6 m=1 s=34
